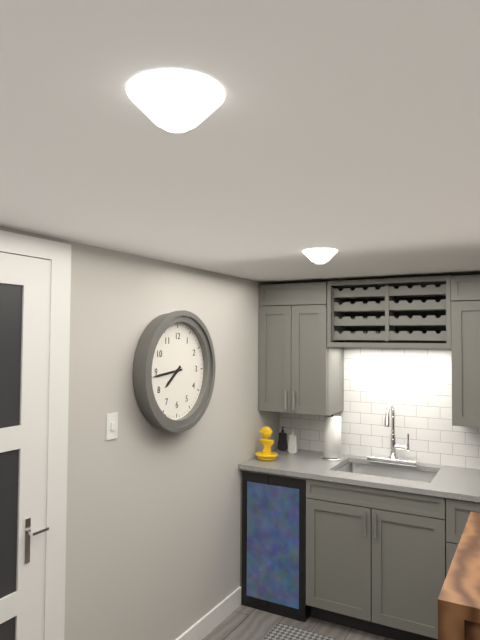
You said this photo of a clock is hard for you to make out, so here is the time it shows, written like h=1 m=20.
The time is h=7 m=44
